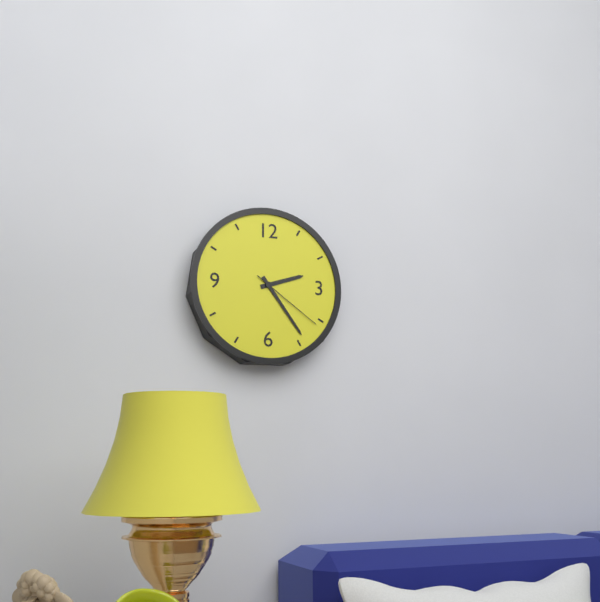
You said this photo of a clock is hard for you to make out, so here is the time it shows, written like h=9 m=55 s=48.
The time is h=2 m=24 s=21
